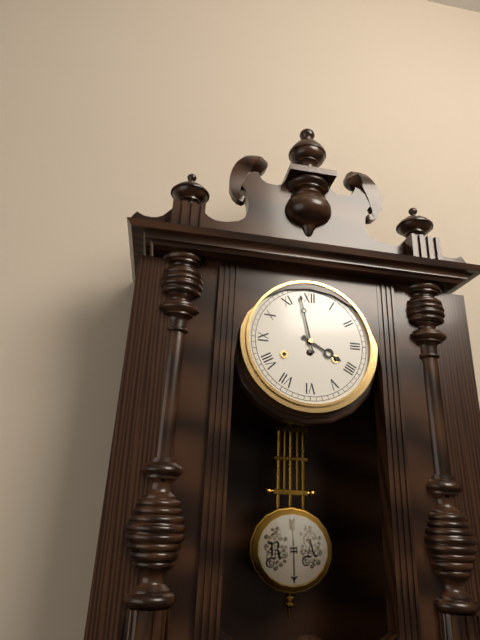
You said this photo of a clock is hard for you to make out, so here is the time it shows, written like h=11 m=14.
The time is h=3 m=58
